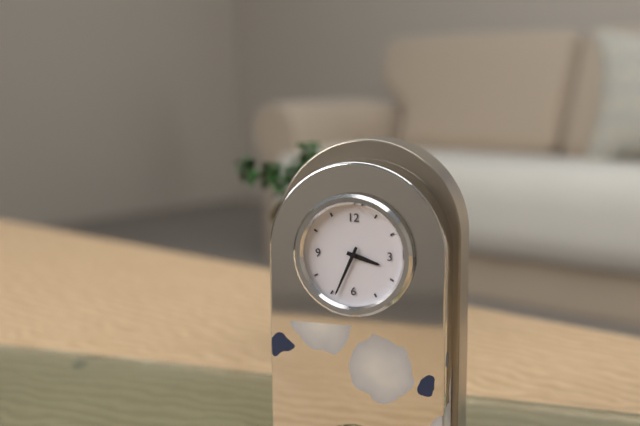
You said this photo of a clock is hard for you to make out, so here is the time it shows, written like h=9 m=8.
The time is h=3 m=34
